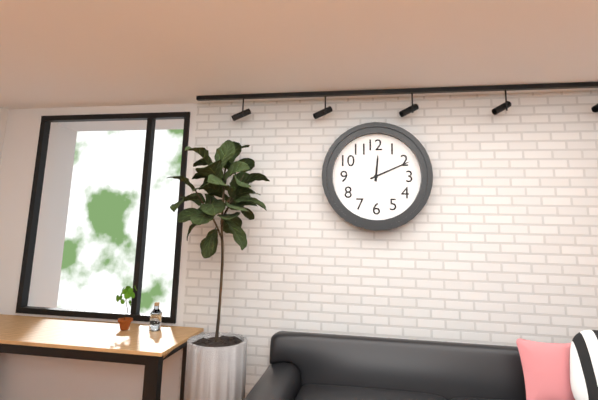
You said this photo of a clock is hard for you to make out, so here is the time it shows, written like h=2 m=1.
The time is h=12 m=11
